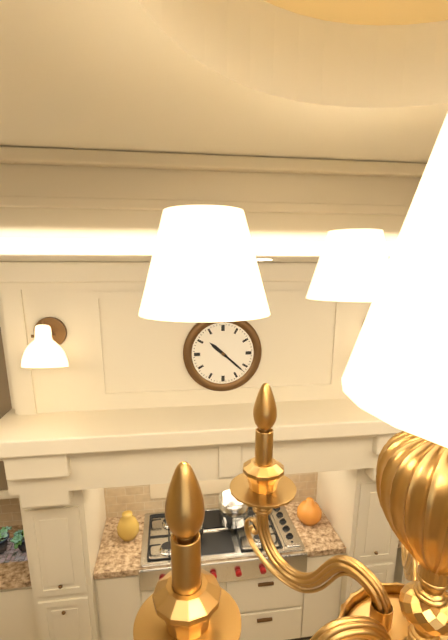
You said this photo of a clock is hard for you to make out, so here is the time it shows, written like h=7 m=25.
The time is h=10 m=22
